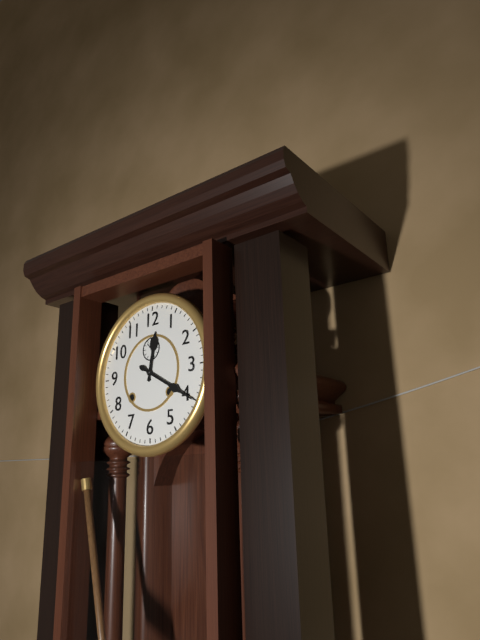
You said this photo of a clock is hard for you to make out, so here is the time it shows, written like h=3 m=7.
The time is h=12 m=20
